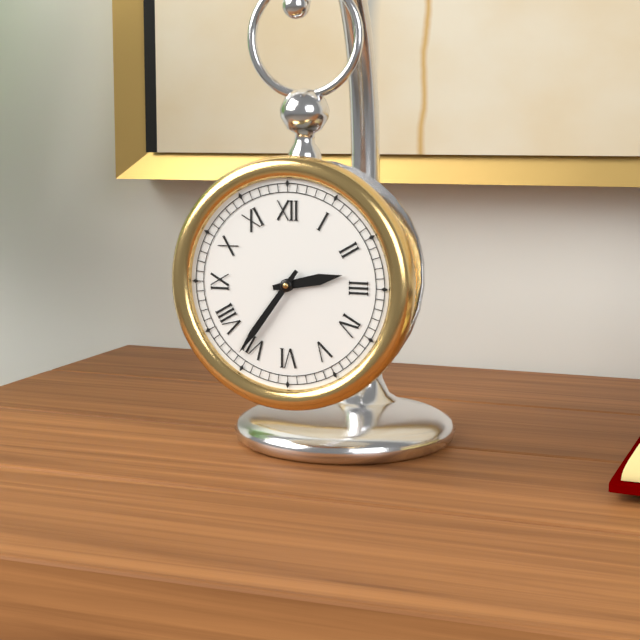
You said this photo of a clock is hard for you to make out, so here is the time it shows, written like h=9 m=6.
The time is h=2 m=36
